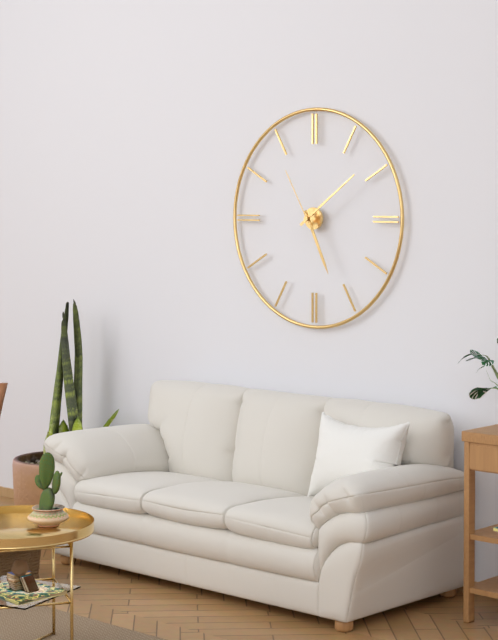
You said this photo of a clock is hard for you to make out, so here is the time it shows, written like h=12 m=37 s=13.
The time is h=5 m=9 s=55
